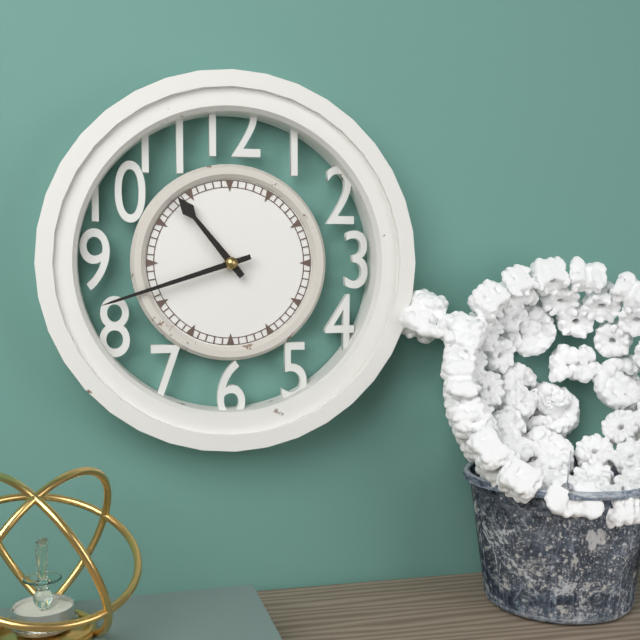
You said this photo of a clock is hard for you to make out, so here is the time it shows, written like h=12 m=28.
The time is h=10 m=42
